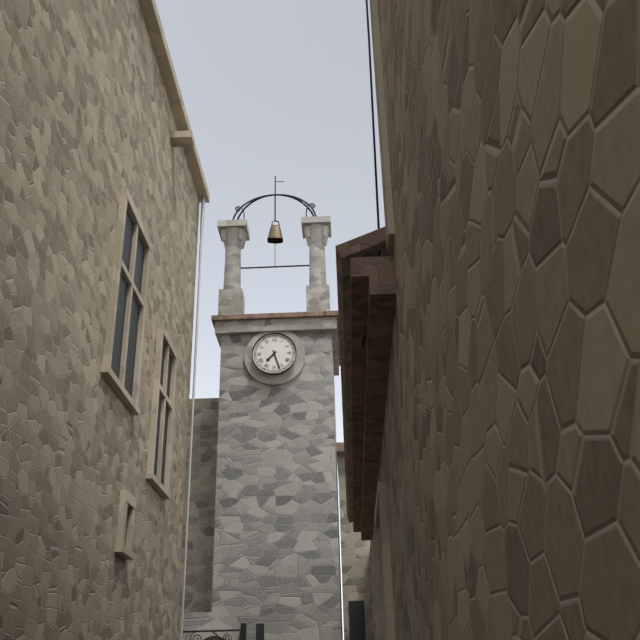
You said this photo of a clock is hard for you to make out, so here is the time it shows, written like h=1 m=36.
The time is h=7 m=27
